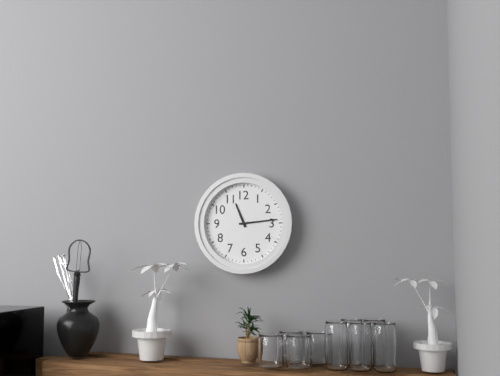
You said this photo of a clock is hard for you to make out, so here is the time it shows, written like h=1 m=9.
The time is h=11 m=14
